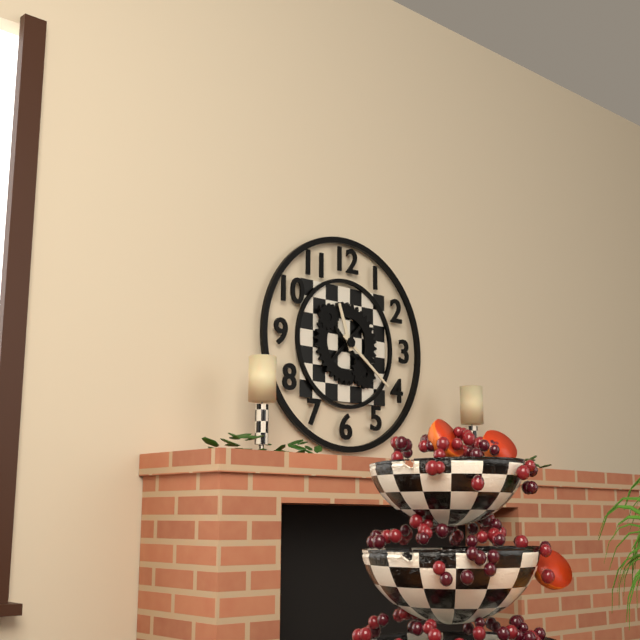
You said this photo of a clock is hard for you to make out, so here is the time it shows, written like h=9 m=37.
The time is h=11 m=21
